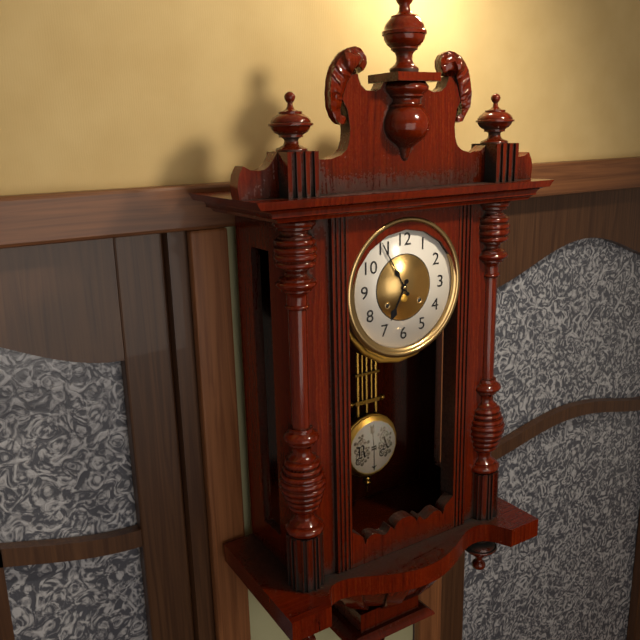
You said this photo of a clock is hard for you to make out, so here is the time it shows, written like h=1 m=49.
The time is h=6 m=55
